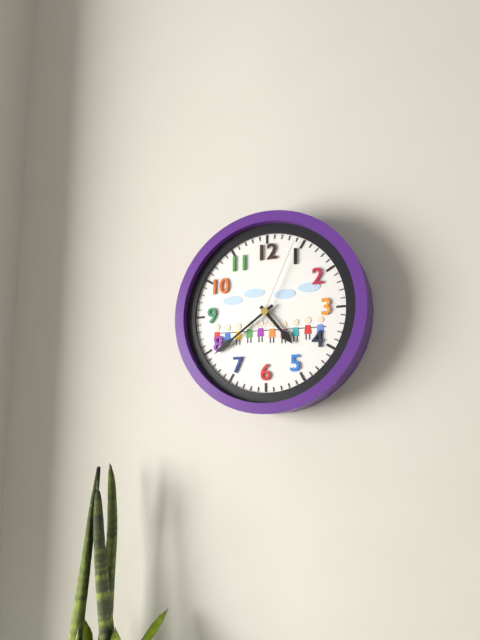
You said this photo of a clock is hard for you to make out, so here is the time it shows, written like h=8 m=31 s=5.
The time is h=4 m=39 s=4
